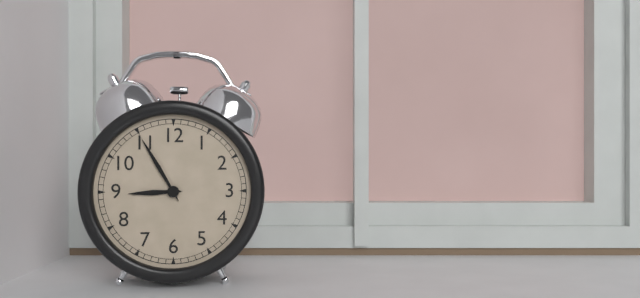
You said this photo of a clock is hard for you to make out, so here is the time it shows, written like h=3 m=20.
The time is h=8 m=55
